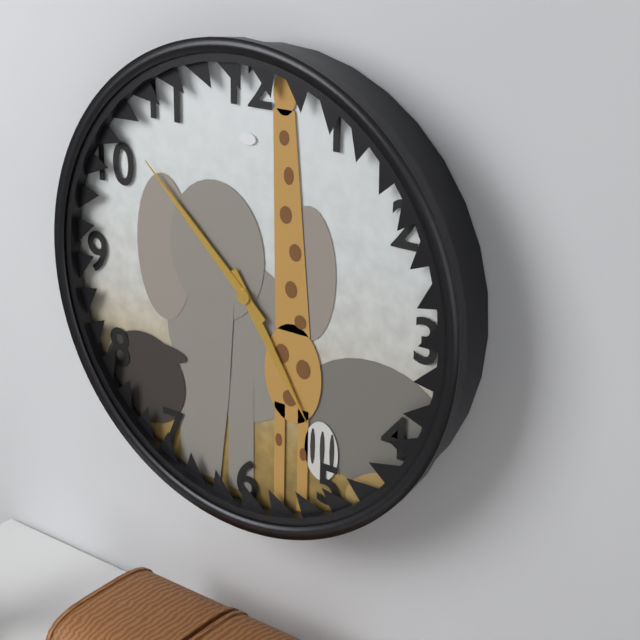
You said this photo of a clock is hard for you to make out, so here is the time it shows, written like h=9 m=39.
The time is h=4 m=52
